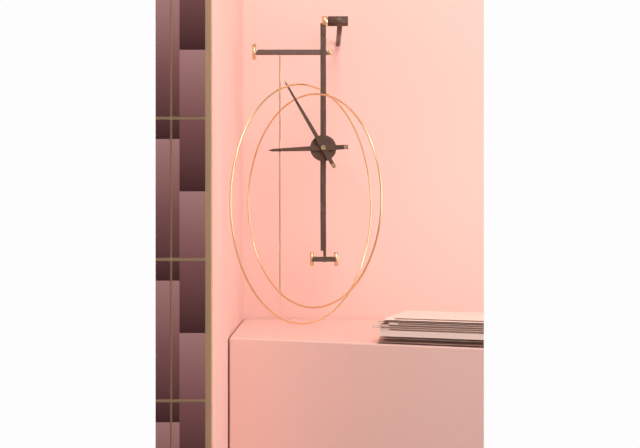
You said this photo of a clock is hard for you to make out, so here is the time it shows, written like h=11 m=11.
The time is h=8 m=55
